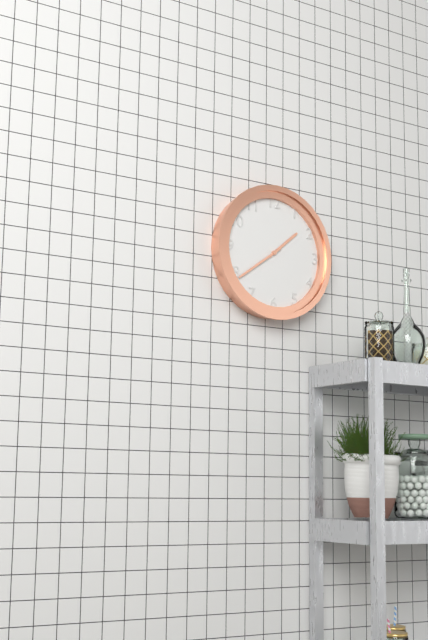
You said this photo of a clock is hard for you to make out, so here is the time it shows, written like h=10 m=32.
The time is h=1 m=39
